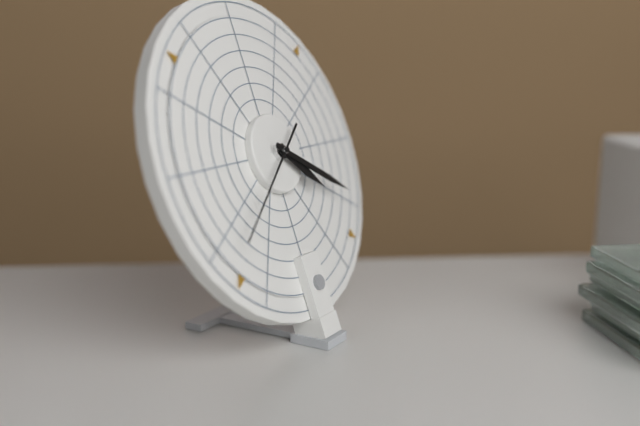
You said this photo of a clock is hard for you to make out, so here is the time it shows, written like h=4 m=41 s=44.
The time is h=4 m=20 s=39
